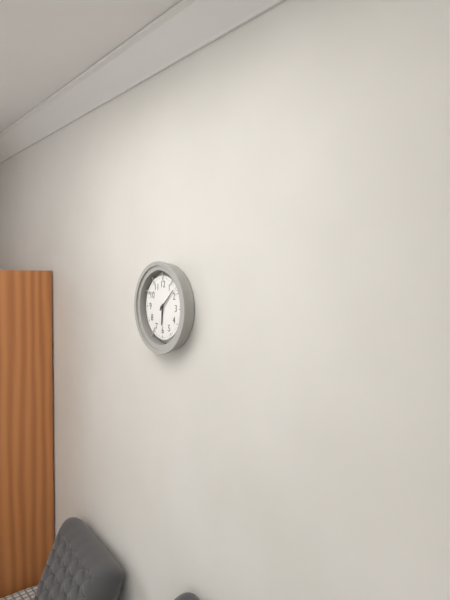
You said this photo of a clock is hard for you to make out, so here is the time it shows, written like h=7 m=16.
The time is h=6 m=8
